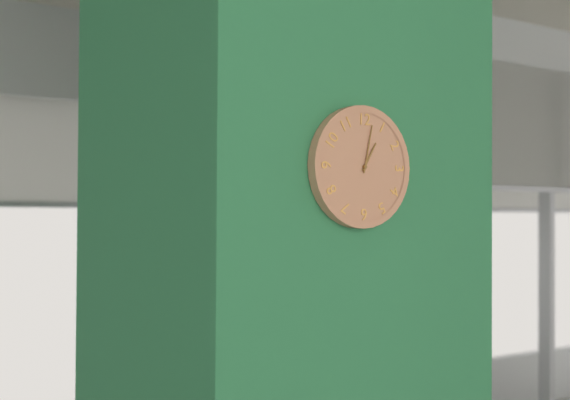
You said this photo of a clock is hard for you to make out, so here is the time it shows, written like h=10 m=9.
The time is h=1 m=2
